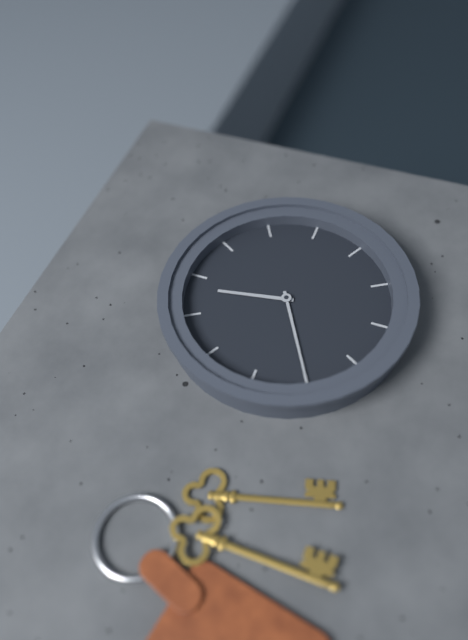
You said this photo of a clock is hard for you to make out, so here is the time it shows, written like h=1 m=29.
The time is h=11 m=40
